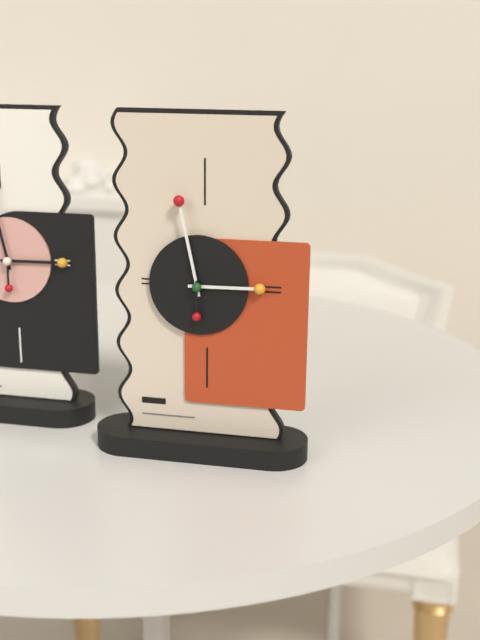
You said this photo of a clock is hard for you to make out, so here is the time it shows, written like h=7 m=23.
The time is h=2 m=58
